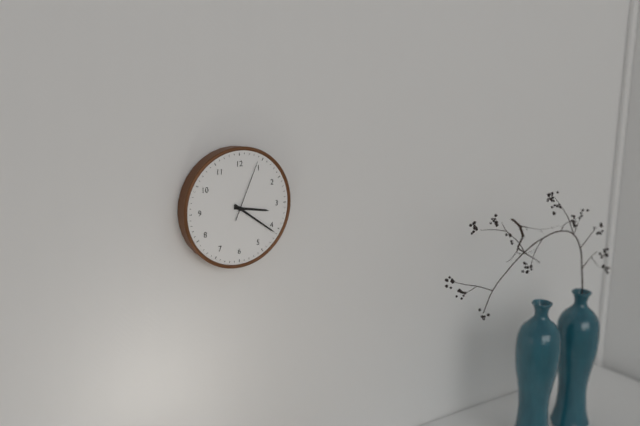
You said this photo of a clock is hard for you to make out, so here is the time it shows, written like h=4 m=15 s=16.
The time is h=3 m=21 s=4
